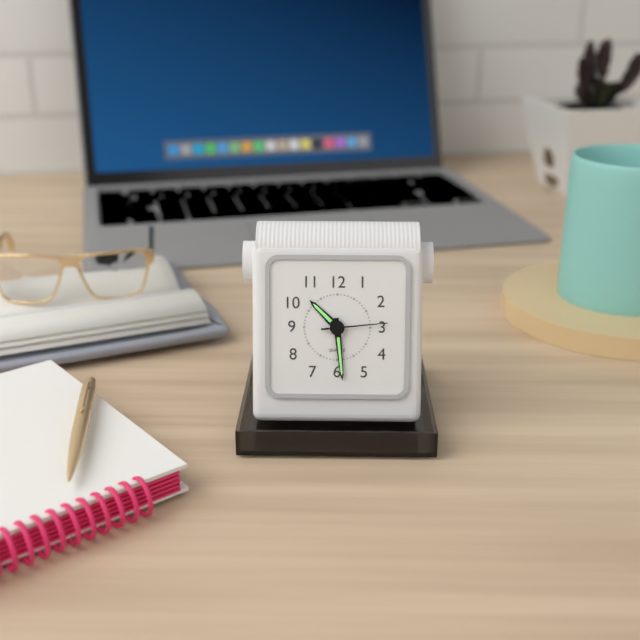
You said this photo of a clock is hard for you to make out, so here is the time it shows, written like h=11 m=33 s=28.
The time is h=10 m=29 s=14
